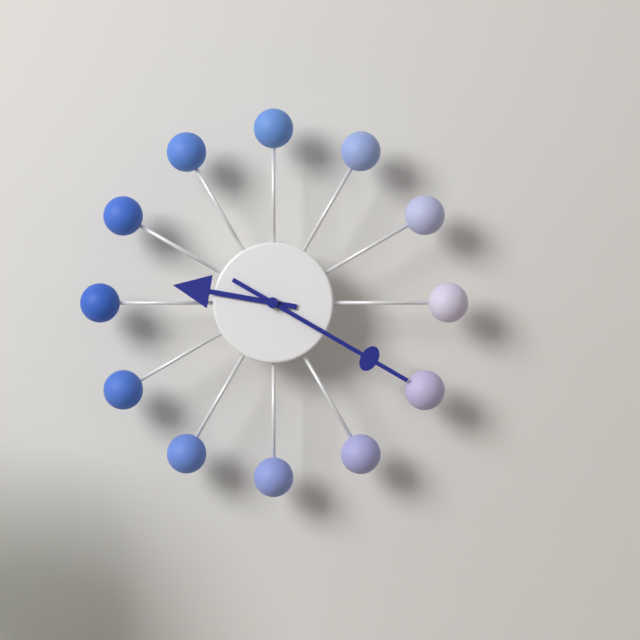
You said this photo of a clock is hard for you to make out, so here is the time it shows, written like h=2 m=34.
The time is h=9 m=20
